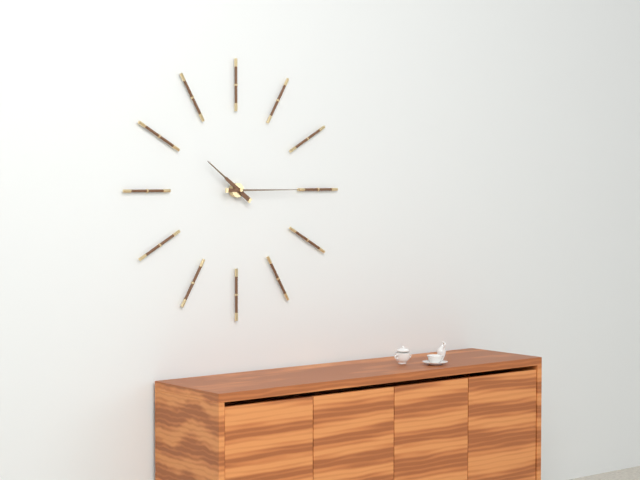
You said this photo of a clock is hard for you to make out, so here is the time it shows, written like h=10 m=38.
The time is h=10 m=15
